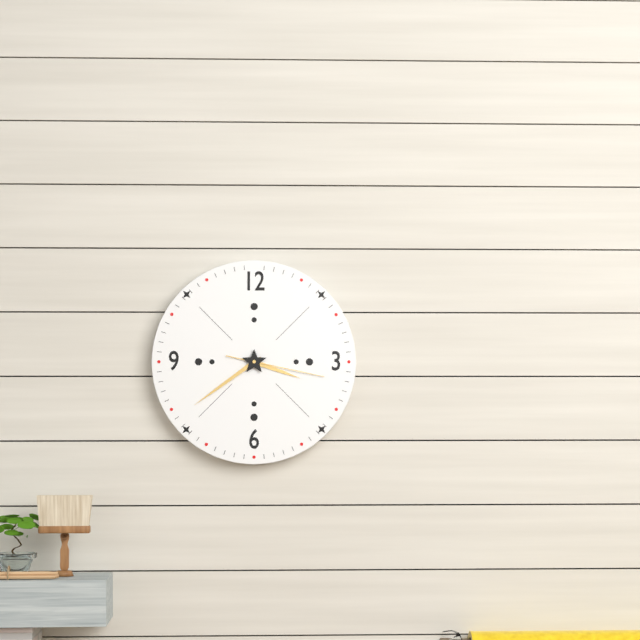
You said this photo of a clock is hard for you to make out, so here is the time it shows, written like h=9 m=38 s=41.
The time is h=3 m=39 s=17
